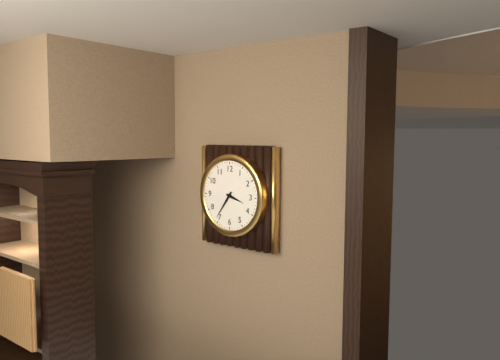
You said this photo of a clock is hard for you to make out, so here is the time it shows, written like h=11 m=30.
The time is h=3 m=36
